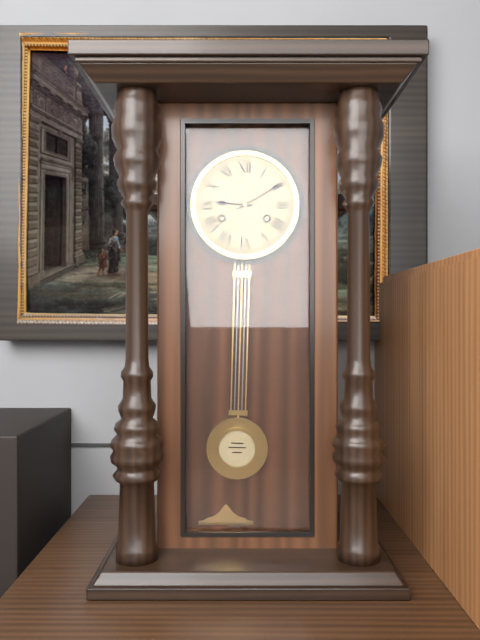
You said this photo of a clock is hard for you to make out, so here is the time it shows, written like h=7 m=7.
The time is h=9 m=10
